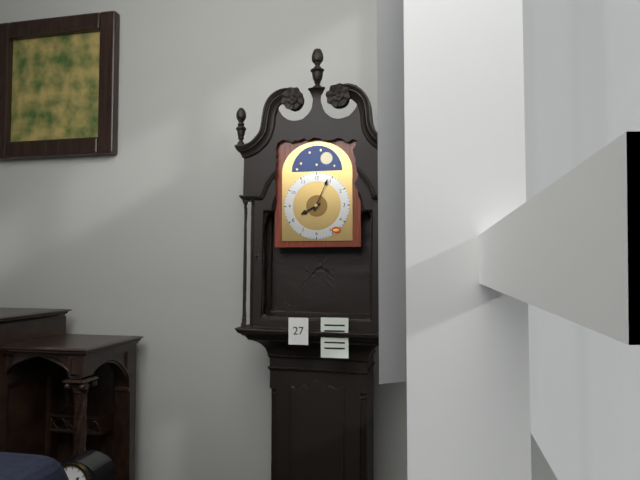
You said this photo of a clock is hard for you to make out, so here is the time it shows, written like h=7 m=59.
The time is h=8 m=4
